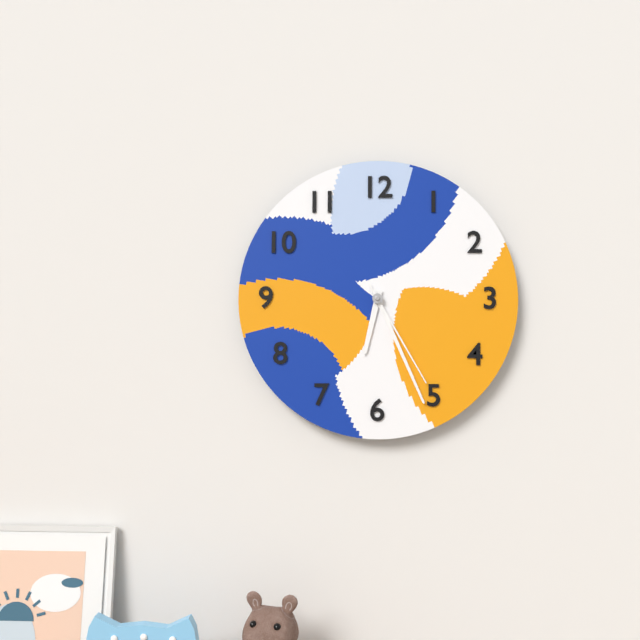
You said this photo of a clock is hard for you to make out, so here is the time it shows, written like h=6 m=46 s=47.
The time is h=6 m=26 s=25
